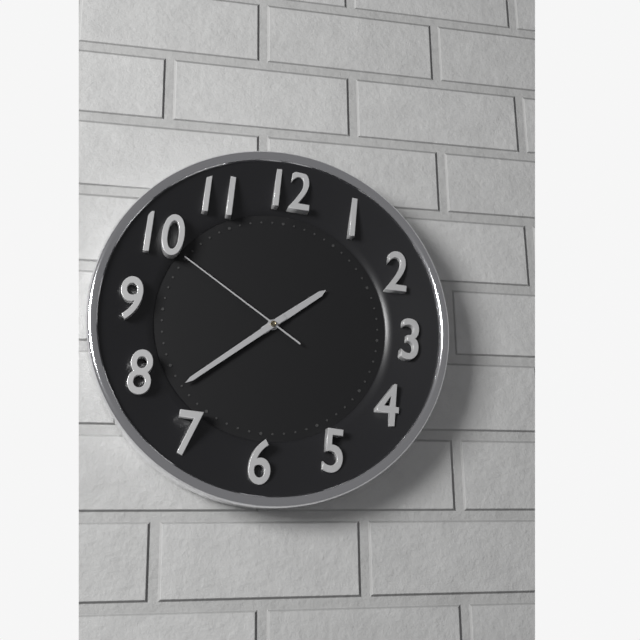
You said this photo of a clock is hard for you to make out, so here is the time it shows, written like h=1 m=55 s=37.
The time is h=1 m=38 s=50
